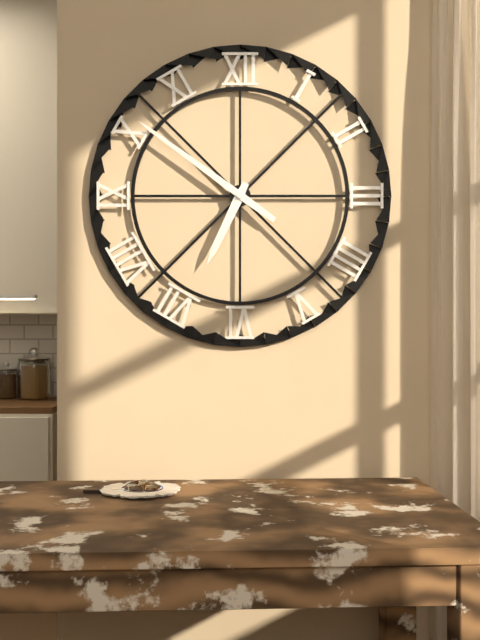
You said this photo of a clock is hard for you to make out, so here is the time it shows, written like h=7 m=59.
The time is h=6 m=51
